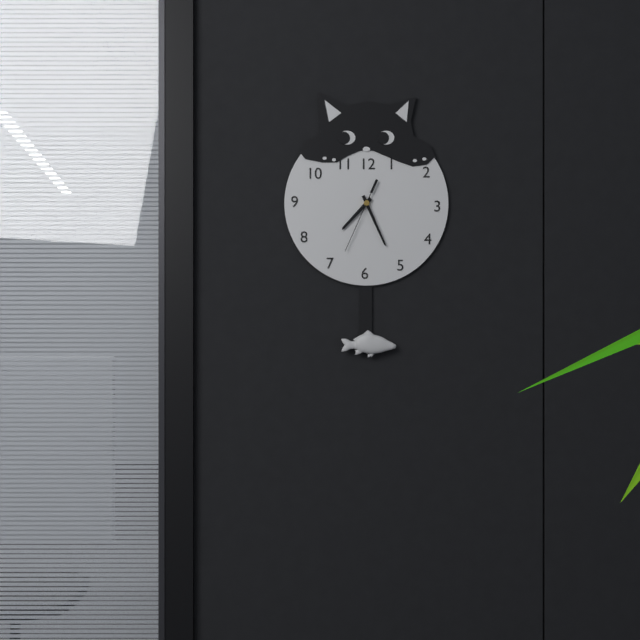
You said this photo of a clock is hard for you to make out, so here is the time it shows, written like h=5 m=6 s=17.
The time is h=7 m=26 s=34
